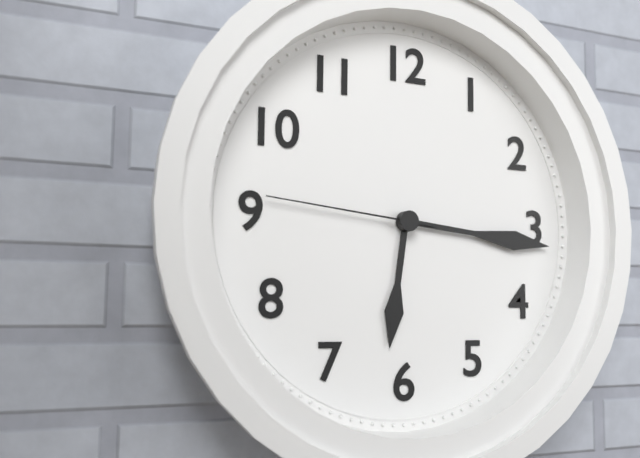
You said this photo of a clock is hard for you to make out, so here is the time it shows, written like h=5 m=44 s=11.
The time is h=6 m=16 s=46
